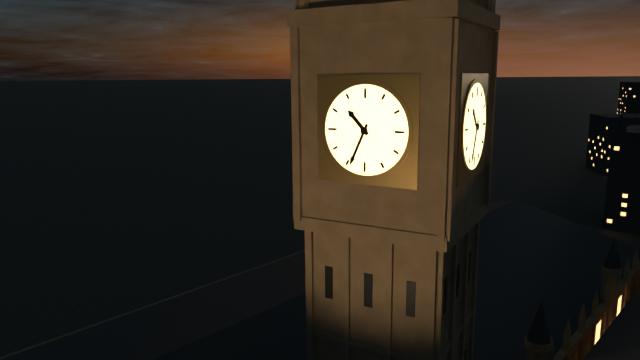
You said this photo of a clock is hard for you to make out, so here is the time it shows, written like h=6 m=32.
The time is h=10 m=34
